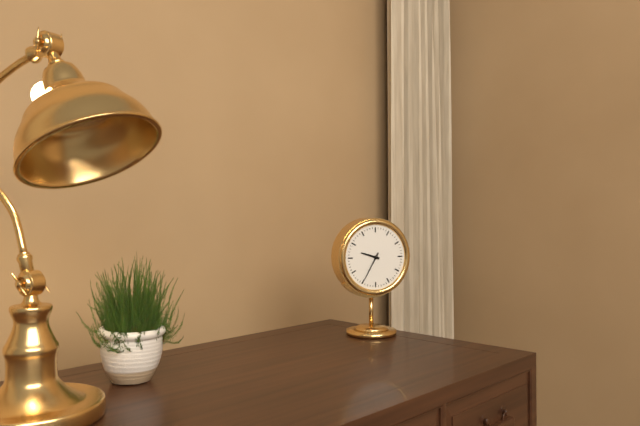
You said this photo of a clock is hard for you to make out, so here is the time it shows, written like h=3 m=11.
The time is h=9 m=35
